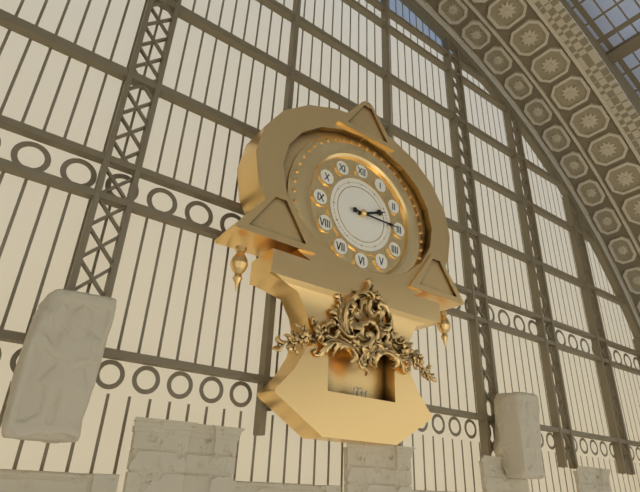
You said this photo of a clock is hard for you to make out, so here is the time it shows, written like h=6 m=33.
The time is h=2 m=15
